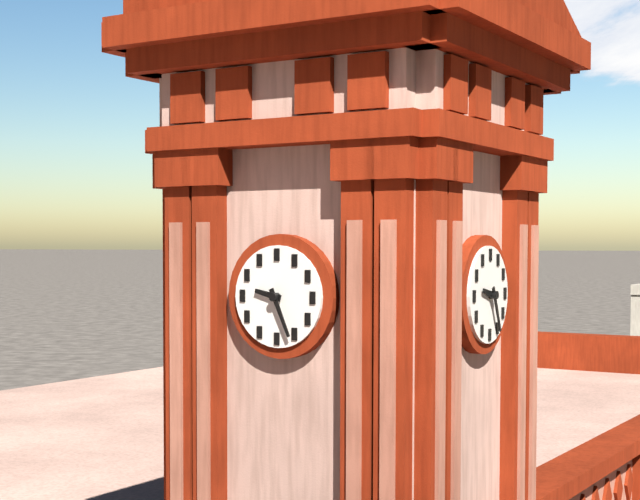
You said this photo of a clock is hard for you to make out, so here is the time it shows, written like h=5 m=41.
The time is h=9 m=26
